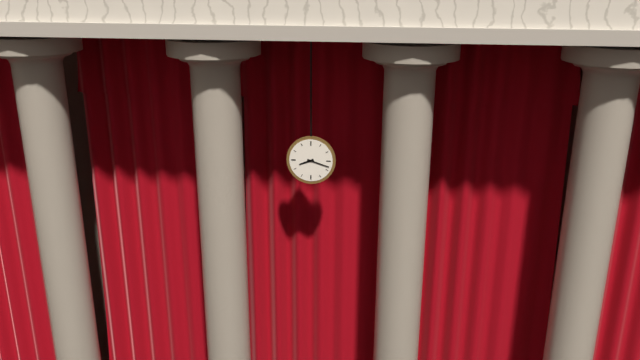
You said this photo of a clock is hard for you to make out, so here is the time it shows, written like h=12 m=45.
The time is h=8 m=18
